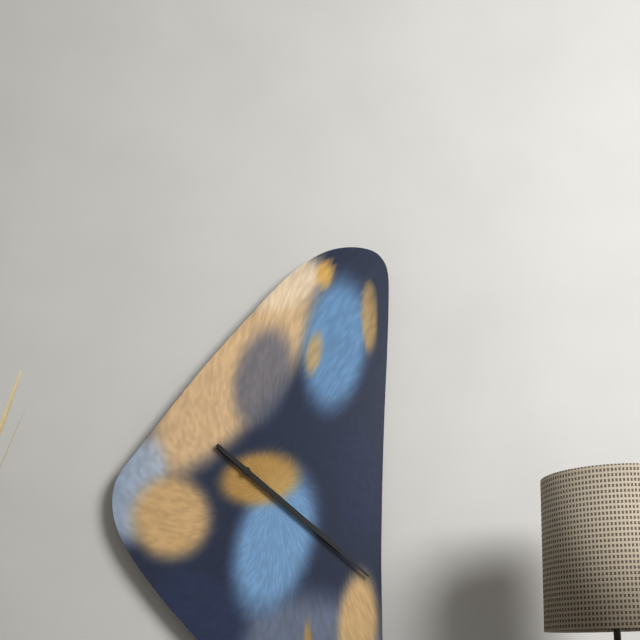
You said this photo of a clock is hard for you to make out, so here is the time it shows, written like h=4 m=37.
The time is h=4 m=22
